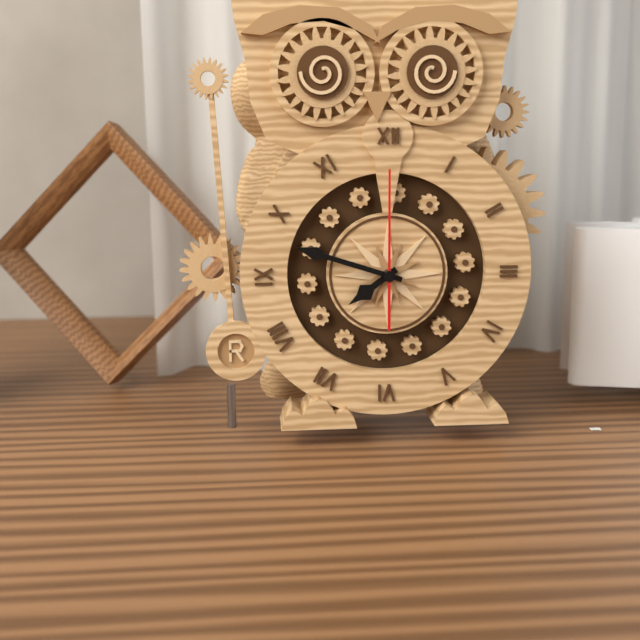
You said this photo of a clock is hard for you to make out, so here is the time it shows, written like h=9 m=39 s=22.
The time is h=7 m=48 s=0
